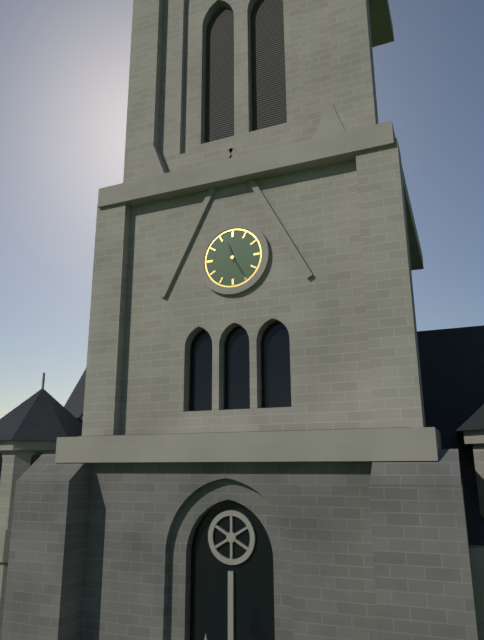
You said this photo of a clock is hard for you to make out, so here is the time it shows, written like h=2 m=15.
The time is h=11 m=25
